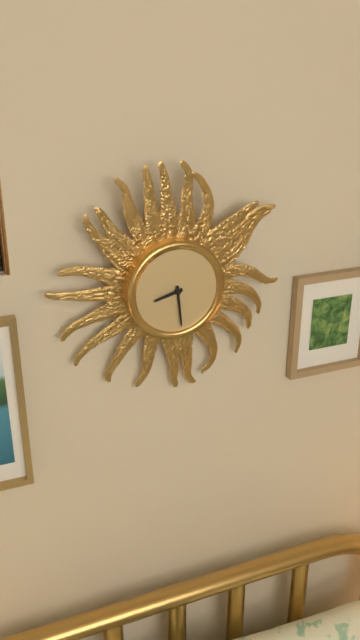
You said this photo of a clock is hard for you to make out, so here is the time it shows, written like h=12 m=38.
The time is h=8 m=29
